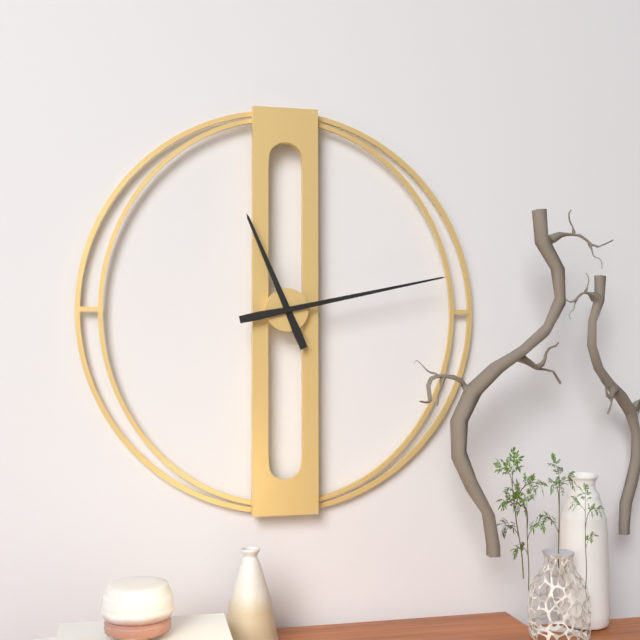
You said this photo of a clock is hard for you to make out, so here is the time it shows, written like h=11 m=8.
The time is h=11 m=13
